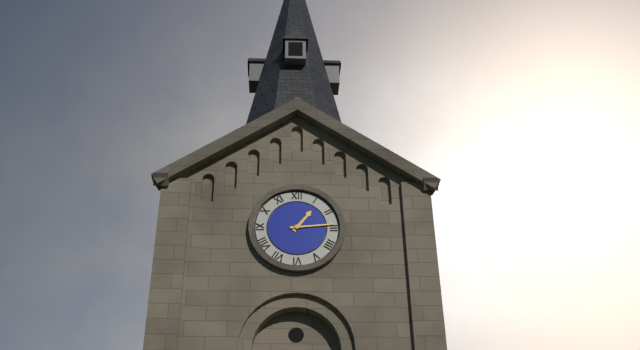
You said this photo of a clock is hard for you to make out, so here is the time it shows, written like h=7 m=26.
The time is h=1 m=14
